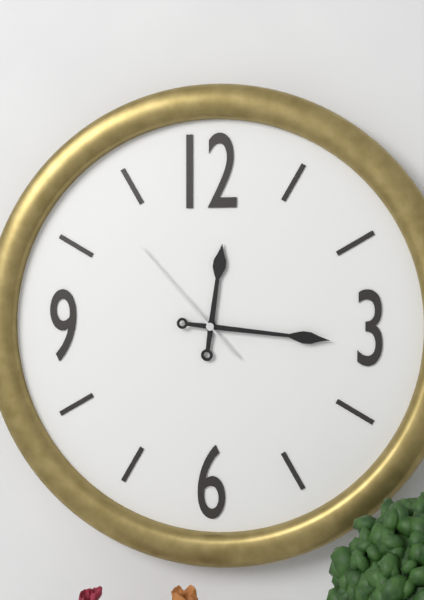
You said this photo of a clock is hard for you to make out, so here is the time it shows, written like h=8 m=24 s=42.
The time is h=12 m=16 s=53
